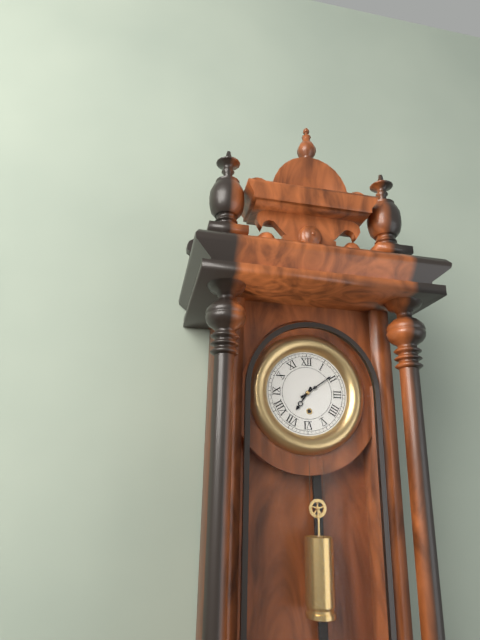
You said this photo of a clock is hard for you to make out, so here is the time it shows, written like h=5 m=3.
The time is h=7 m=9
